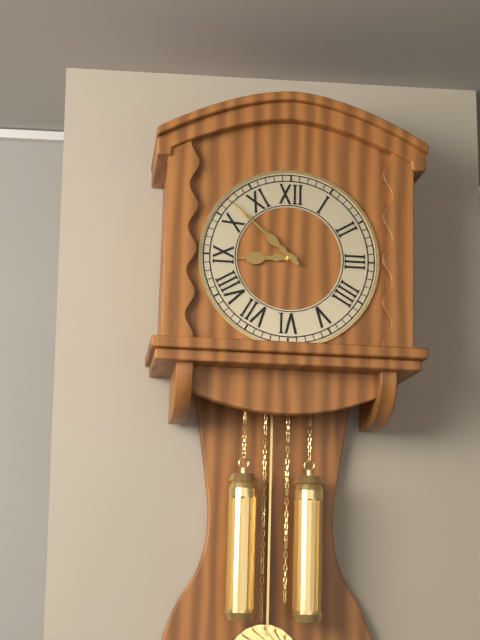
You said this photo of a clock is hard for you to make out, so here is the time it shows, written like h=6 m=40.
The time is h=8 m=52
